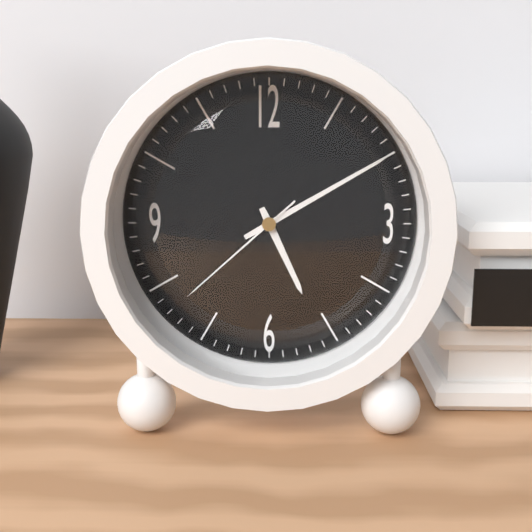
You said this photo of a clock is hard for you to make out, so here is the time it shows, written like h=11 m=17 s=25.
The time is h=5 m=10 s=38
